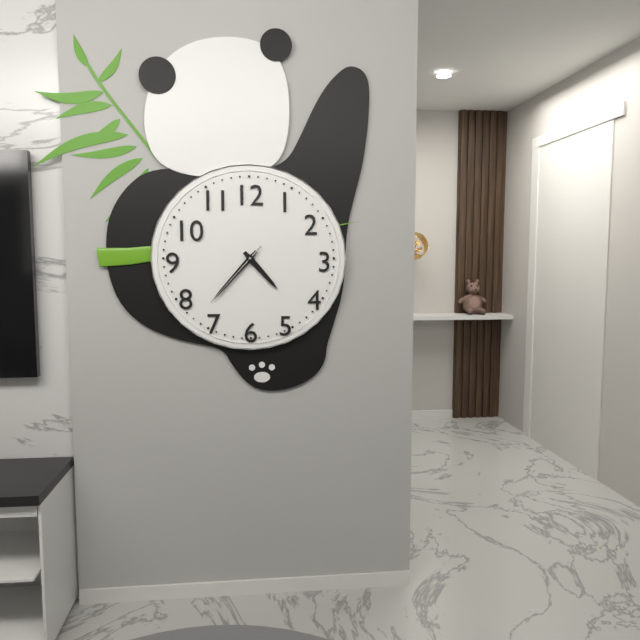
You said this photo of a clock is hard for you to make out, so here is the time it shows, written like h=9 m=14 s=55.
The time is h=4 m=37 s=37
